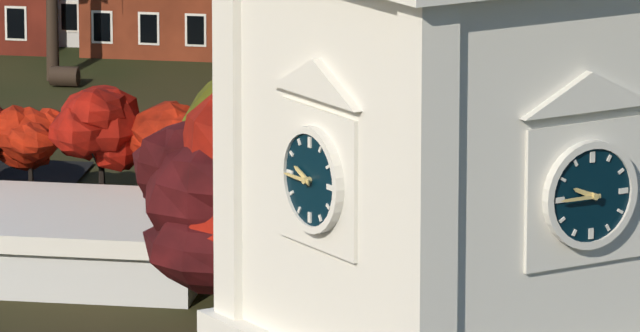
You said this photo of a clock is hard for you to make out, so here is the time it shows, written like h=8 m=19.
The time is h=9 m=45
